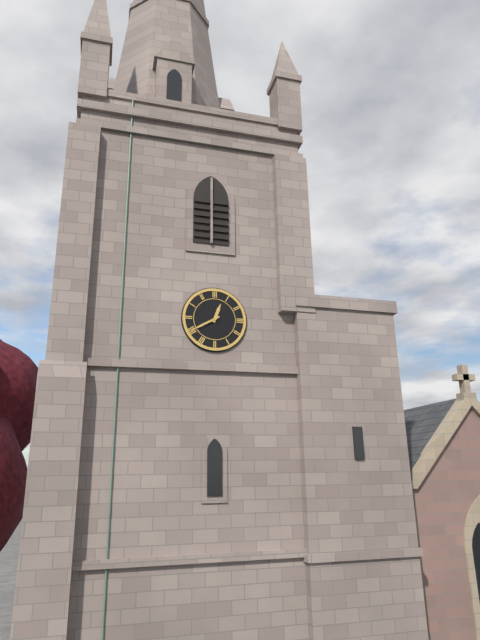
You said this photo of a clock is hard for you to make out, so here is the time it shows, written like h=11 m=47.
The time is h=12 m=40
